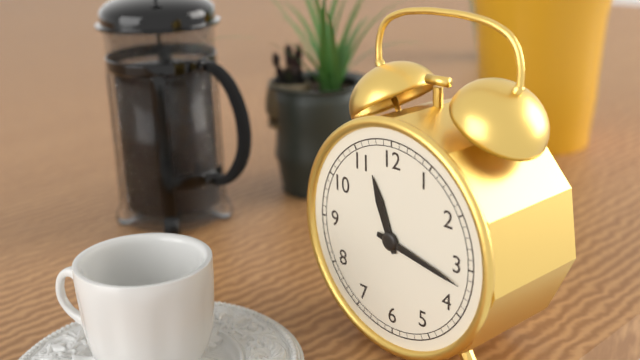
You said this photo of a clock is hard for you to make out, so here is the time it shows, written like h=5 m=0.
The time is h=11 m=17
